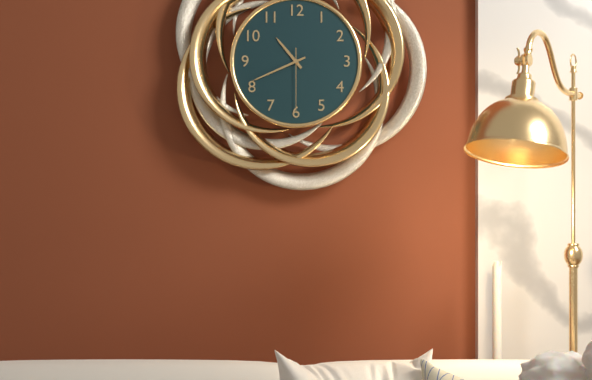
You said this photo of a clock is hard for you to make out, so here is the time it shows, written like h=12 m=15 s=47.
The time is h=10 m=41 s=30
